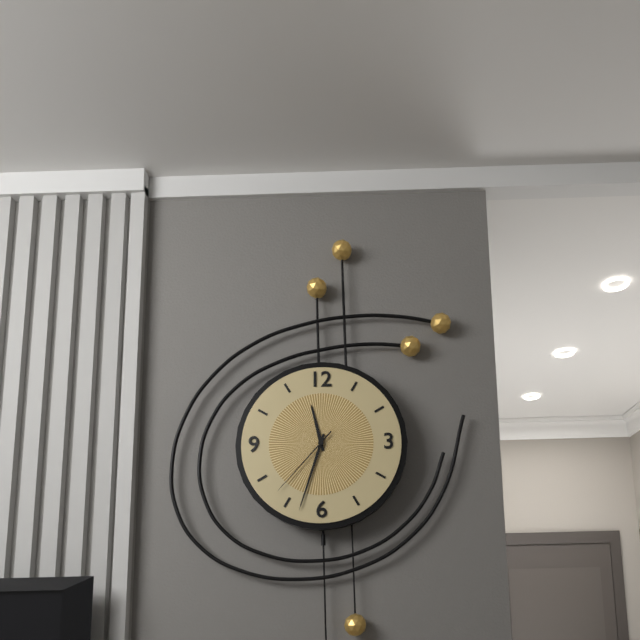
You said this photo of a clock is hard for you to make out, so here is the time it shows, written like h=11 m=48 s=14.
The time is h=11 m=33 s=37
